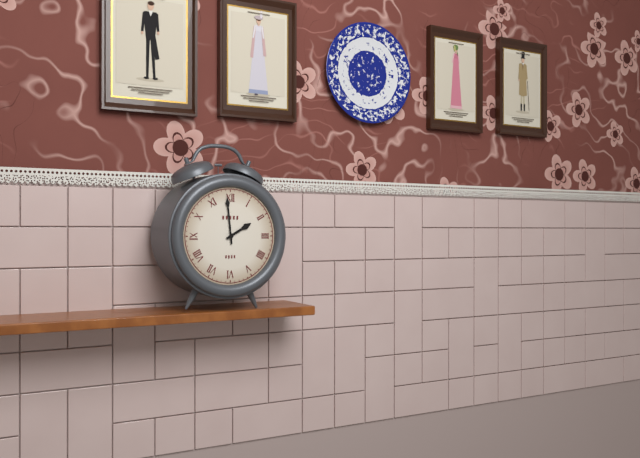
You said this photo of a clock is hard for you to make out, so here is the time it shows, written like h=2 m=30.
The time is h=1 m=59
